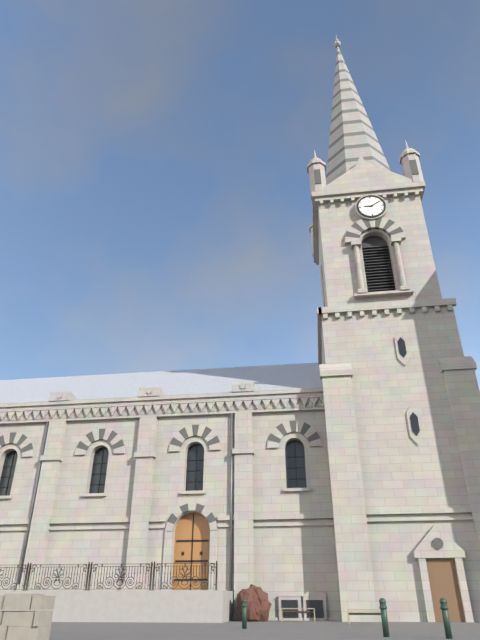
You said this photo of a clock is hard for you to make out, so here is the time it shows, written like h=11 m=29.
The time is h=9 m=10
